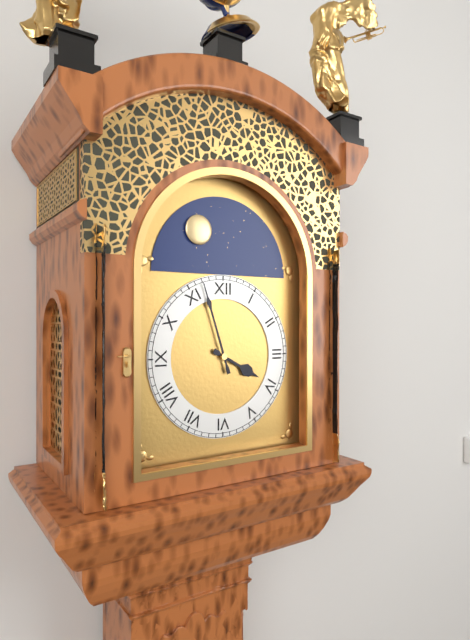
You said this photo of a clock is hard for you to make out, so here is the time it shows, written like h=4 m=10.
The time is h=3 m=57
